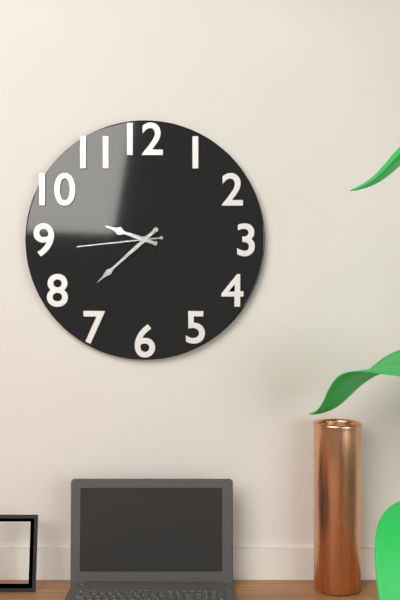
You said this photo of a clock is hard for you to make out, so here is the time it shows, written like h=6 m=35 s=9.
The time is h=9 m=38 s=44
